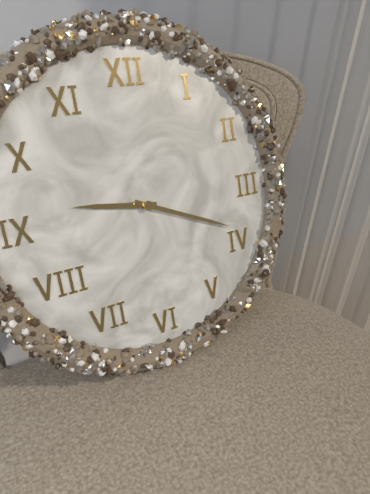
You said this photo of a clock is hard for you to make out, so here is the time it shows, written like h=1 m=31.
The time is h=9 m=19
